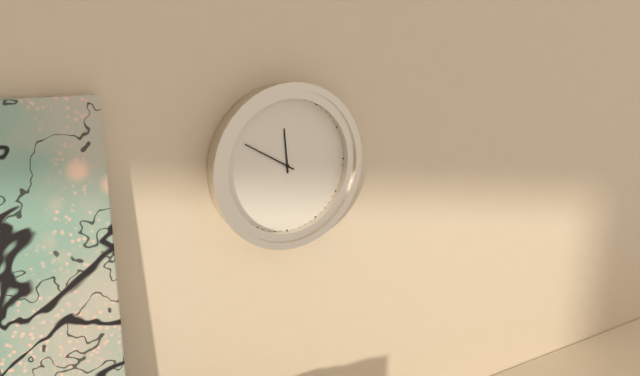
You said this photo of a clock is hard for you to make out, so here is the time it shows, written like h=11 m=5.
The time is h=11 m=50
